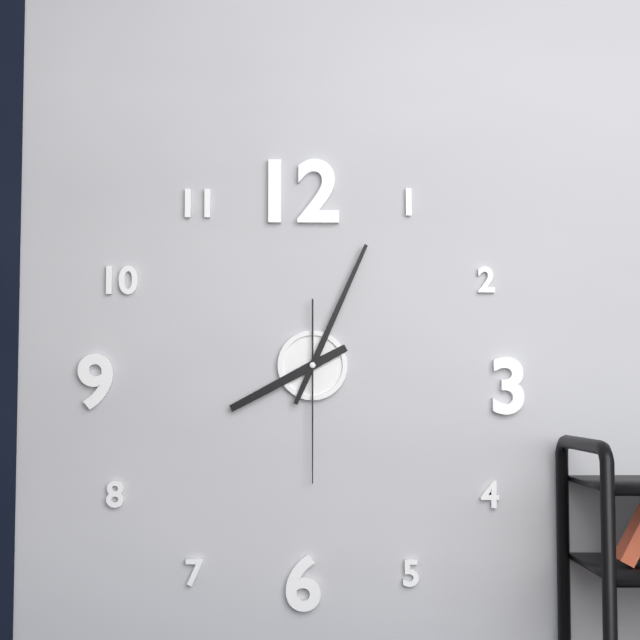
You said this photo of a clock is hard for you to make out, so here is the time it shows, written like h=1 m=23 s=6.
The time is h=8 m=4 s=30
